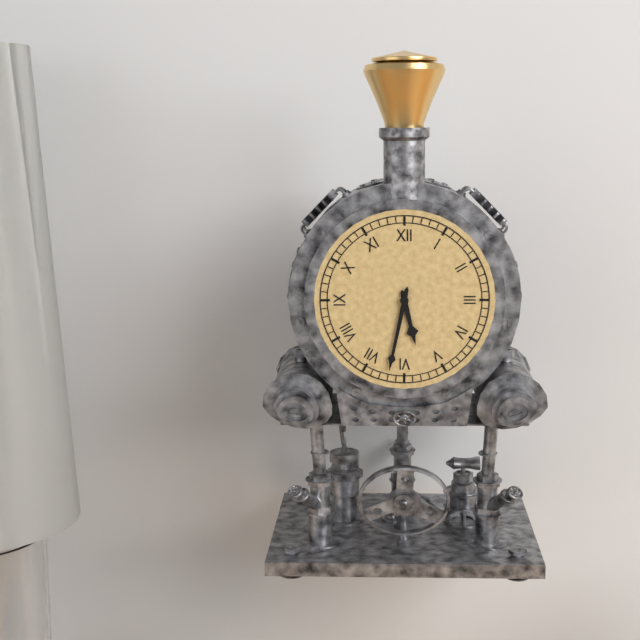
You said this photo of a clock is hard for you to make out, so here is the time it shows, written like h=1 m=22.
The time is h=5 m=32
